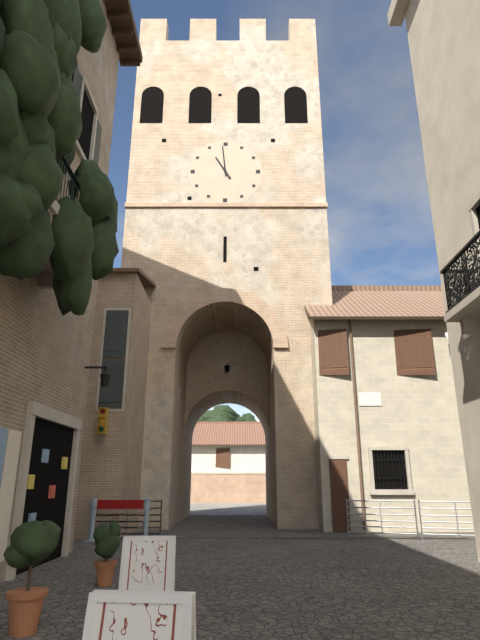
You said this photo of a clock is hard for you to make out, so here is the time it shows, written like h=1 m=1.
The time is h=10 m=59
